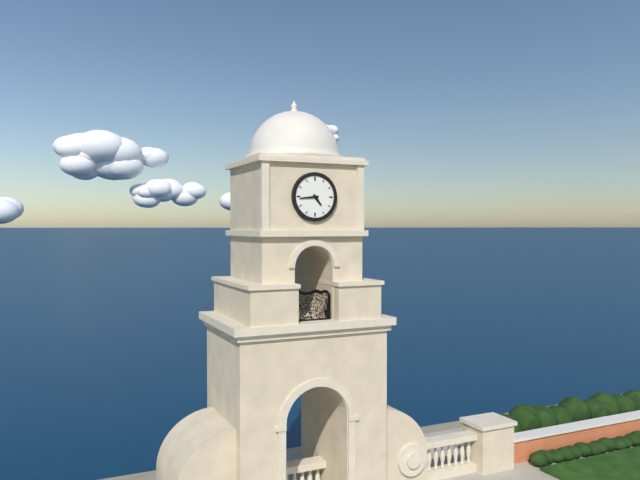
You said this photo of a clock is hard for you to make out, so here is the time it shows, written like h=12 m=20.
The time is h=4 m=44
